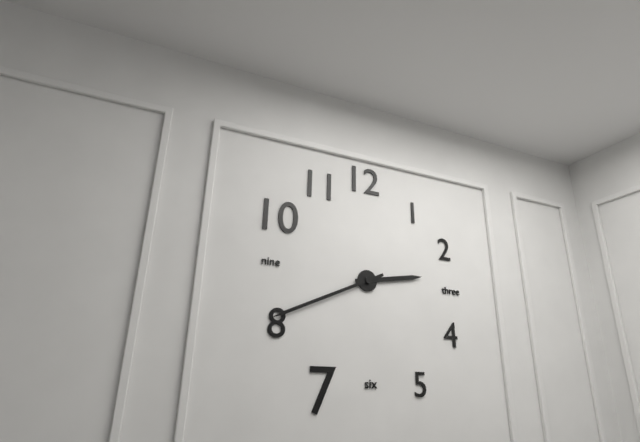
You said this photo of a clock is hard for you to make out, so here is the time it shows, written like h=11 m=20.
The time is h=2 m=41
